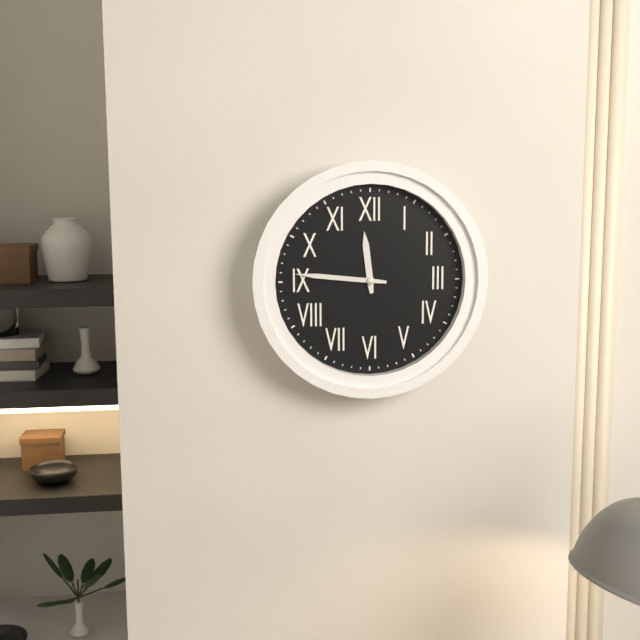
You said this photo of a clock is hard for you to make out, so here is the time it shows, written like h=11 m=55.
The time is h=11 m=46
